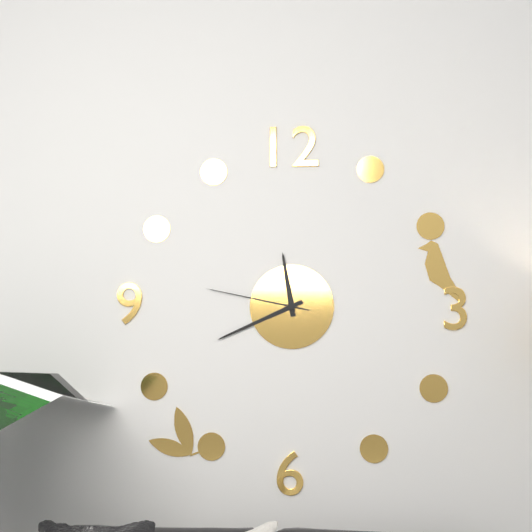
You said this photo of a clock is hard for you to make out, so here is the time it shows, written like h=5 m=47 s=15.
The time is h=11 m=41 s=47
